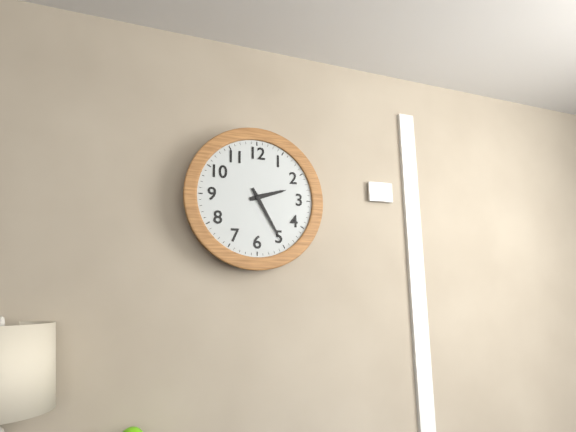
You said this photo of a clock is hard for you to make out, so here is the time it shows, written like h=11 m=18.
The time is h=2 m=25
